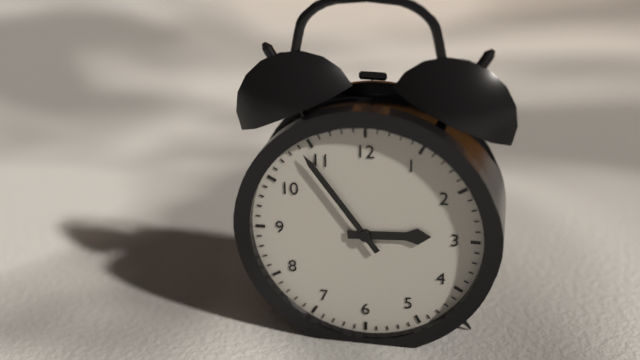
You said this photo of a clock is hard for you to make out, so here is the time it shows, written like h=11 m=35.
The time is h=2 m=54
